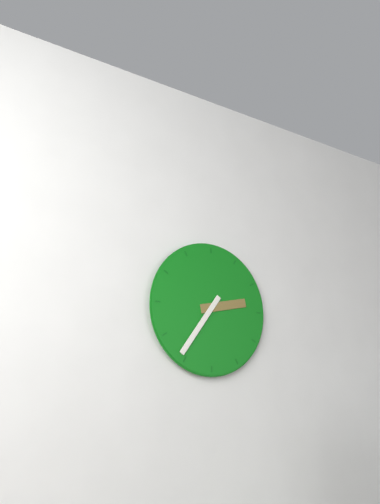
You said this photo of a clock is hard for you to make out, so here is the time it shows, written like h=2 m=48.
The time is h=2 m=36
